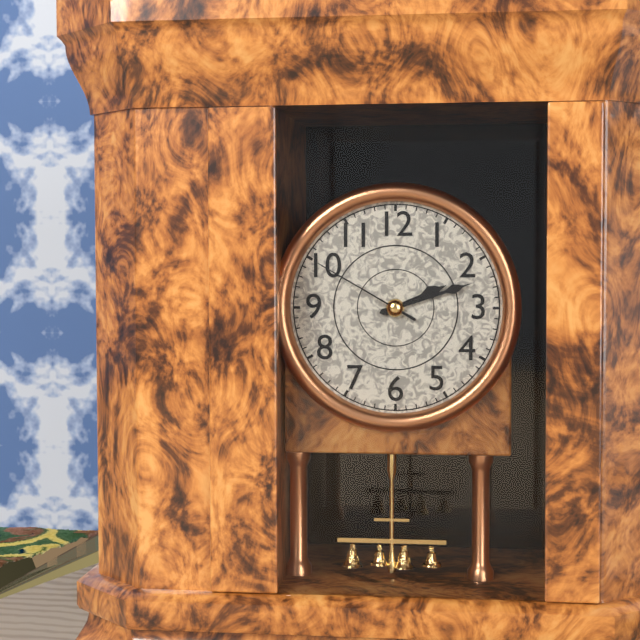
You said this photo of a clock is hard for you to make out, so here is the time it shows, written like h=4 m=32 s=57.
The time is h=2 m=12 s=50
